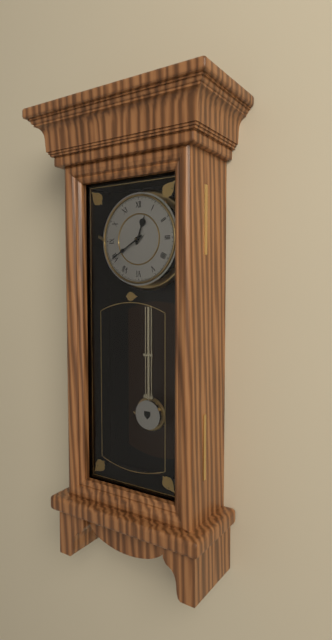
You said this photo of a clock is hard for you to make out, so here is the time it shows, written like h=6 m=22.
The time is h=12 m=40
